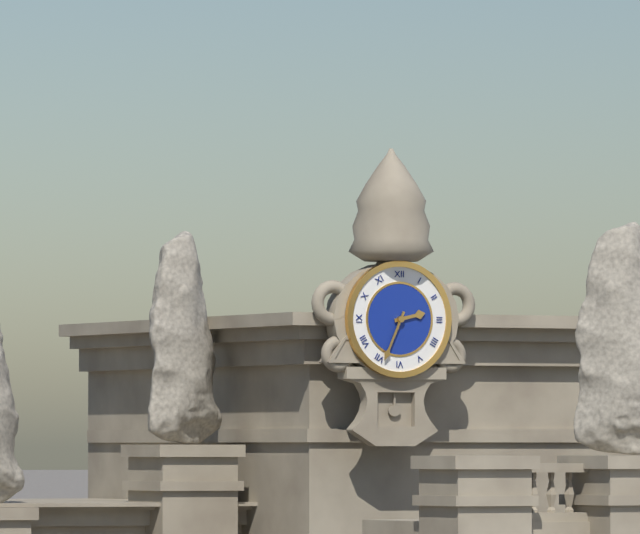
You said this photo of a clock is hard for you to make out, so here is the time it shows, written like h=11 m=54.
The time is h=2 m=34
